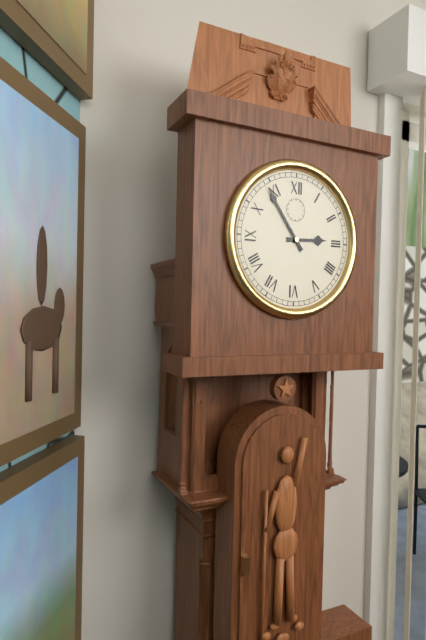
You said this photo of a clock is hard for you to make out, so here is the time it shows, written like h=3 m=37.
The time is h=2 m=54
